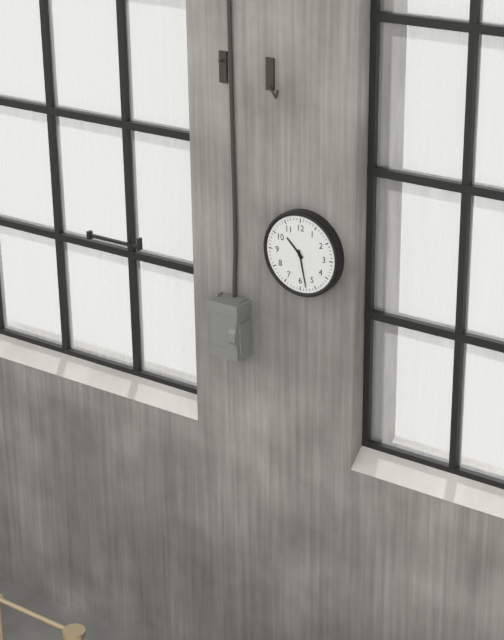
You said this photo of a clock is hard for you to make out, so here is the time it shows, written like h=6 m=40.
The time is h=10 m=28
